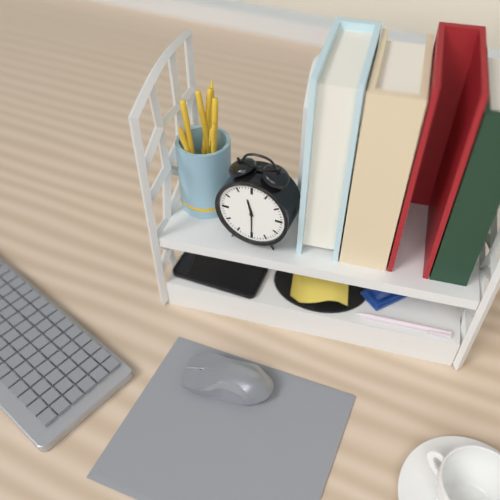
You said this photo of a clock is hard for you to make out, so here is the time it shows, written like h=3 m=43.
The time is h=11 m=30
